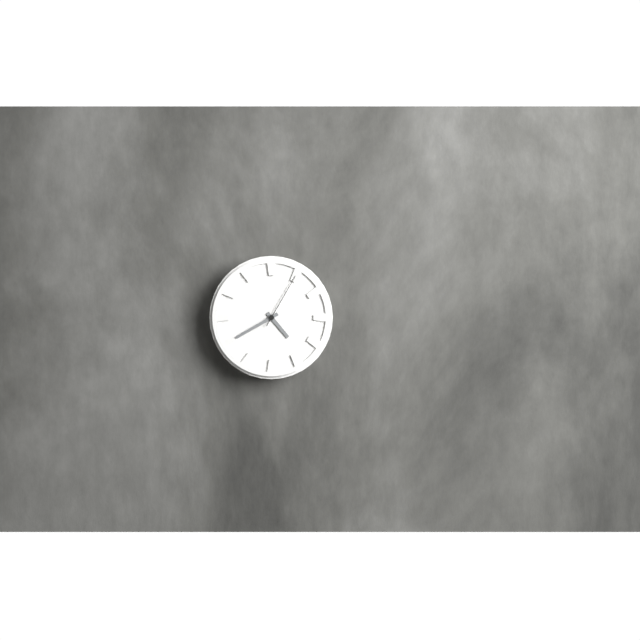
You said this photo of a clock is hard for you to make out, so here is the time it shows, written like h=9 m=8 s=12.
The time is h=4 m=40 s=5
